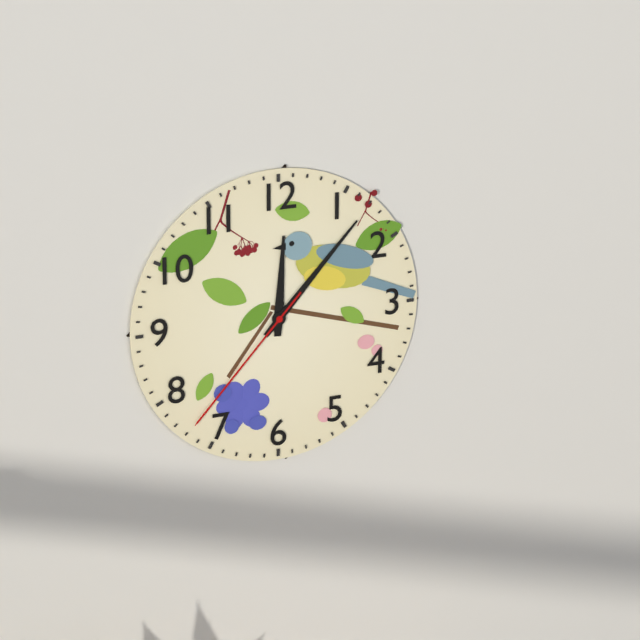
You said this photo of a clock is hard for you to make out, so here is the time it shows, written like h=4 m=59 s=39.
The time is h=12 m=7 s=37
